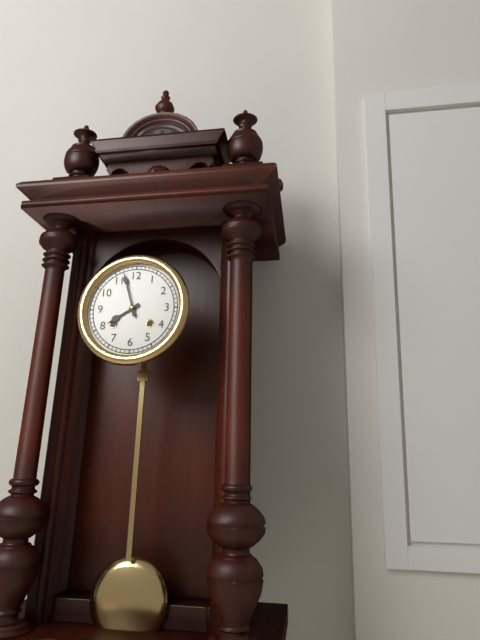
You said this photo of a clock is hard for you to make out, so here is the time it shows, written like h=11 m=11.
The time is h=7 m=57
